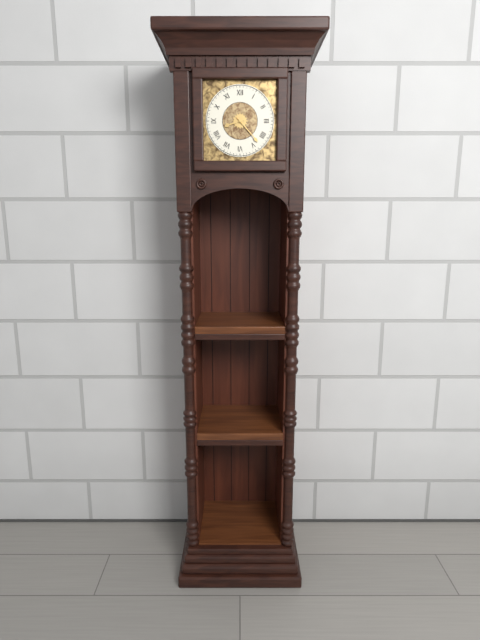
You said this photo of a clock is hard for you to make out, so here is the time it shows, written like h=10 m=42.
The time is h=8 m=23
